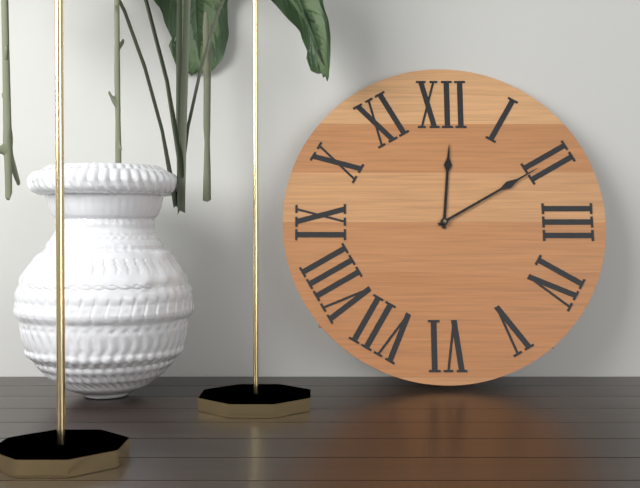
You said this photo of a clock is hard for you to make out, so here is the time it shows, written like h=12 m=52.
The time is h=12 m=10
